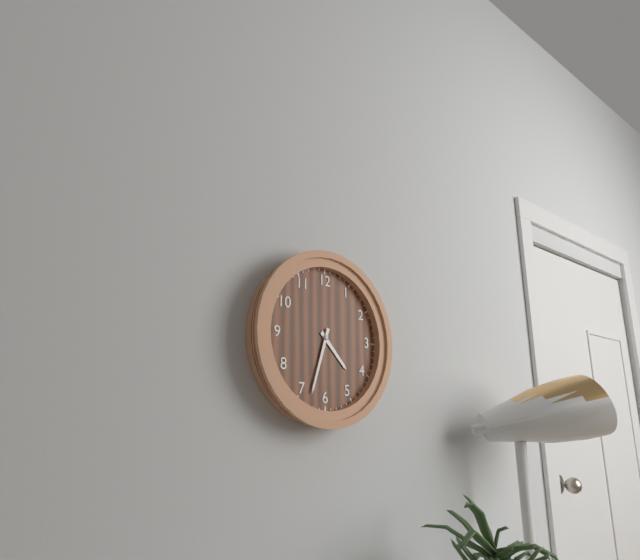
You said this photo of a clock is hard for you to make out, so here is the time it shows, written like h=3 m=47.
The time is h=4 m=33
